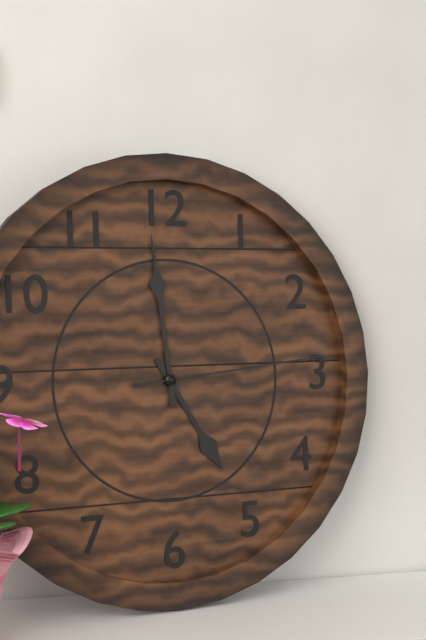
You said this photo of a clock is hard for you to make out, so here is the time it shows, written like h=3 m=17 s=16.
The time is h=4 m=59 s=14
